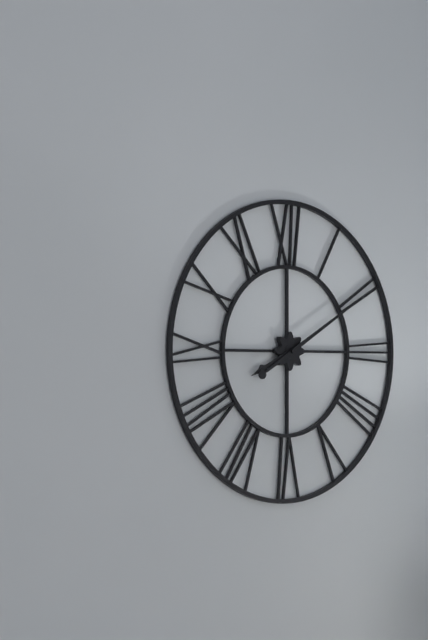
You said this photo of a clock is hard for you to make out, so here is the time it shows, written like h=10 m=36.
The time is h=8 m=10
